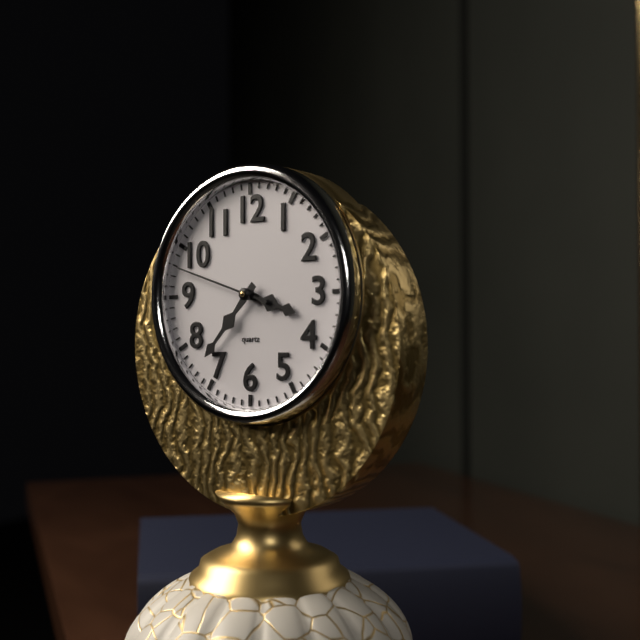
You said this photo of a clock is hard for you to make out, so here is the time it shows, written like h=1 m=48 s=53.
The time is h=3 m=37 s=48
